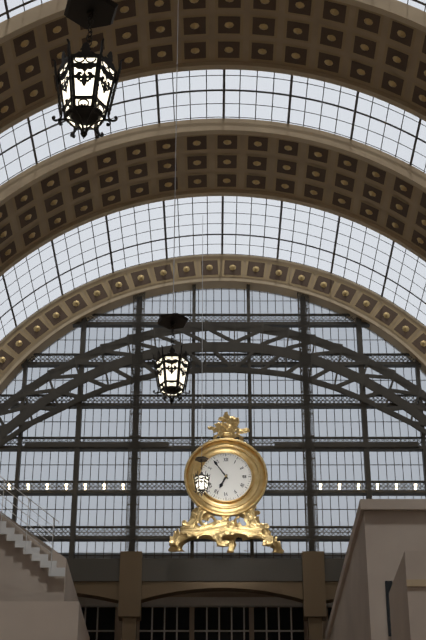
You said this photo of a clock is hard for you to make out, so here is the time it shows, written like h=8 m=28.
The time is h=6 m=54
